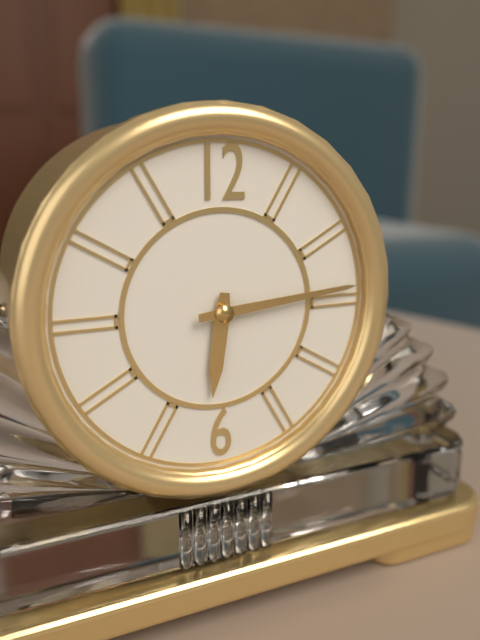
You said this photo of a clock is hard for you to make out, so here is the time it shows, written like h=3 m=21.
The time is h=6 m=14
